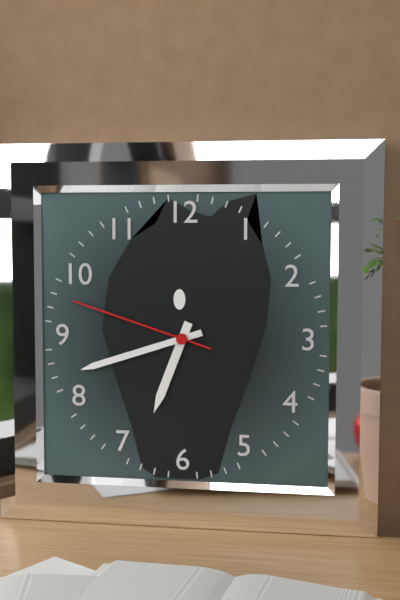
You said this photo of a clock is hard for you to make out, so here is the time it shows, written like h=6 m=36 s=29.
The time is h=6 m=42 s=48
